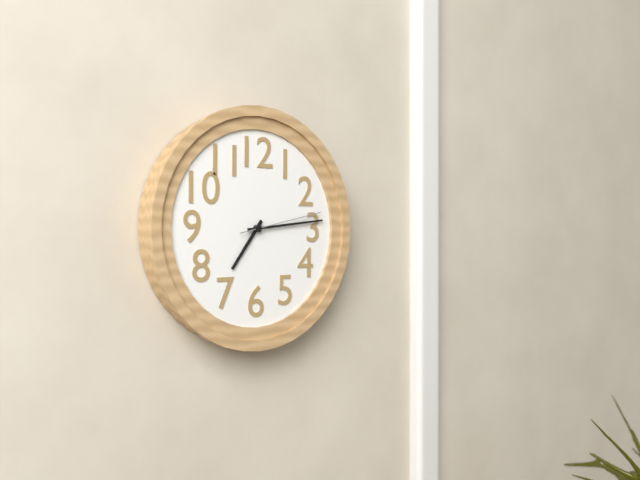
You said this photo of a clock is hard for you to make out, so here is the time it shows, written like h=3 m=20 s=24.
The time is h=7 m=14 s=13
